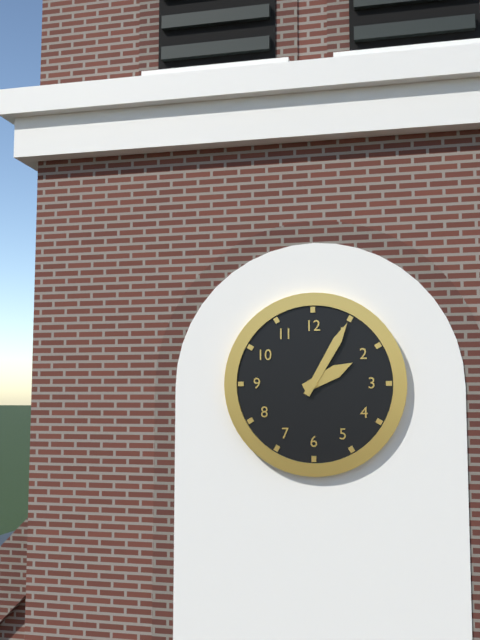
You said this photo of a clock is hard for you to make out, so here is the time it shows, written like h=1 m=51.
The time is h=2 m=5
